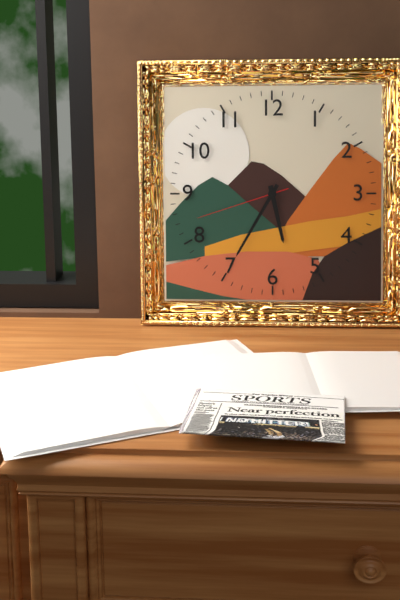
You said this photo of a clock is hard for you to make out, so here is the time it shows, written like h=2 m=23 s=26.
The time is h=5 m=35 s=42
